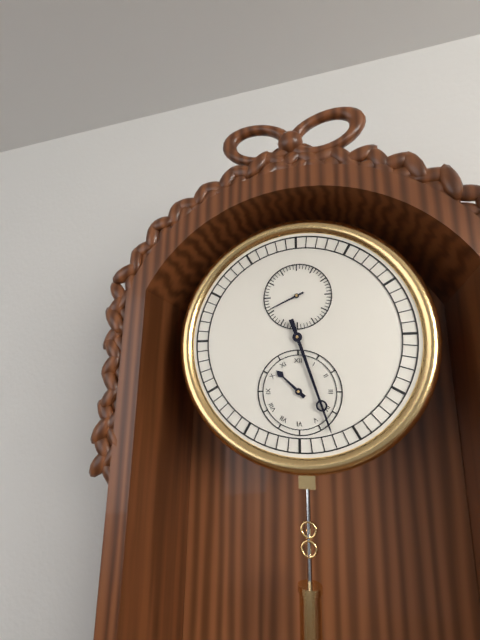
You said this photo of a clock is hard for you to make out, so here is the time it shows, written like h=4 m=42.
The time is h=10 m=27
